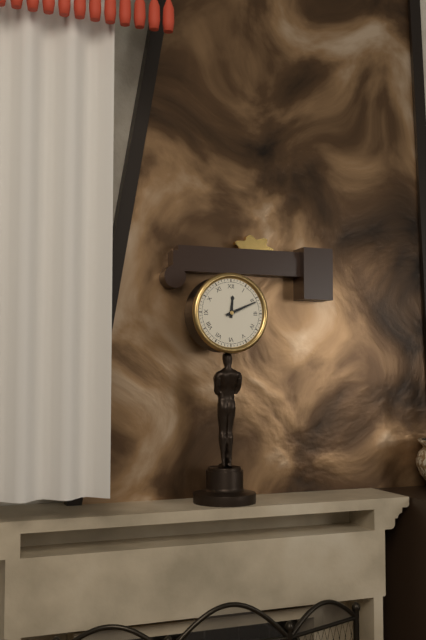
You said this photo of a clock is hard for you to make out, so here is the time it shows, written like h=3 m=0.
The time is h=12 m=11
